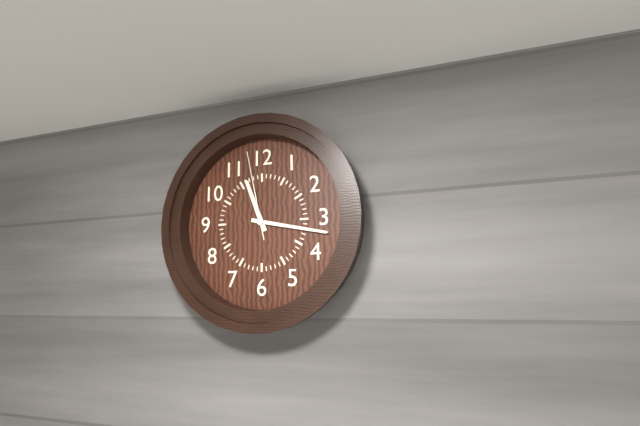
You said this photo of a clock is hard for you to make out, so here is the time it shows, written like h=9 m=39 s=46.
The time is h=11 m=17 s=58
